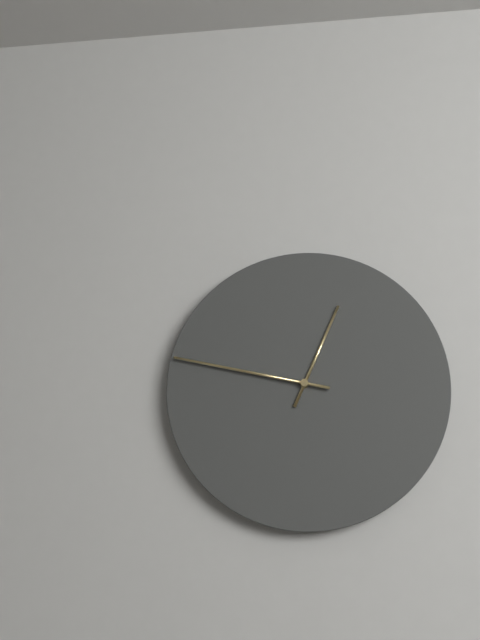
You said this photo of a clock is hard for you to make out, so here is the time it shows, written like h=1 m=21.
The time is h=12 m=47
